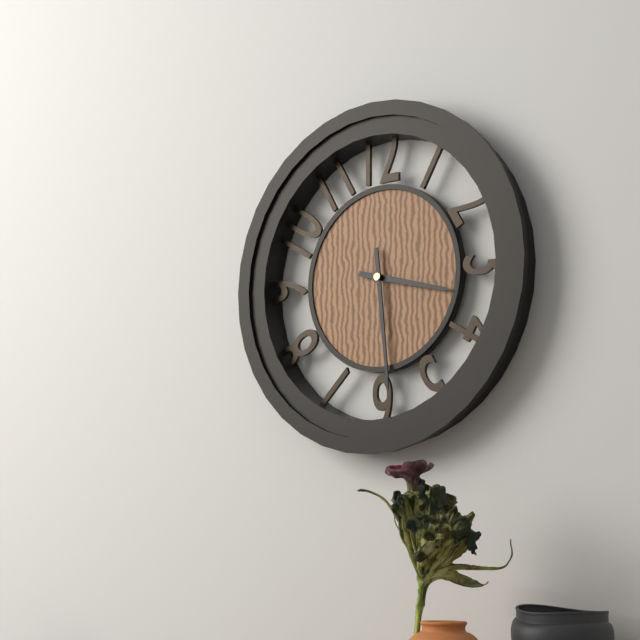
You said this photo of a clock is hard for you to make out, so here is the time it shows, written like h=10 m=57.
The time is h=3 m=29
